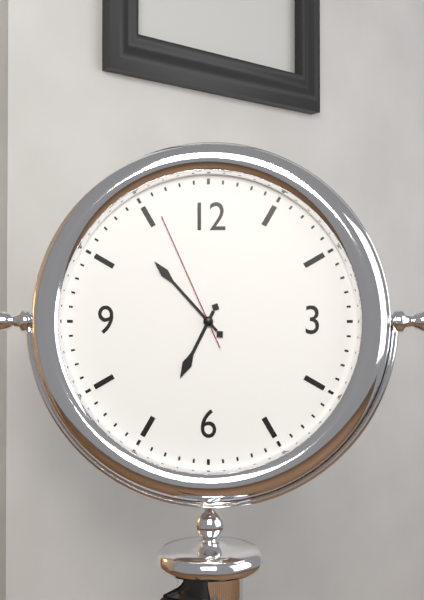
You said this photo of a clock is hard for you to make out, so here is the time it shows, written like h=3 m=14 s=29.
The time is h=6 m=53 s=56
